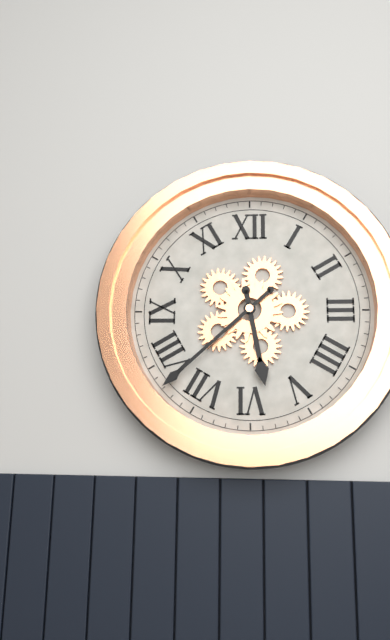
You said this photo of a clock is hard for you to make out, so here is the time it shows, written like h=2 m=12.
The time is h=5 m=38
